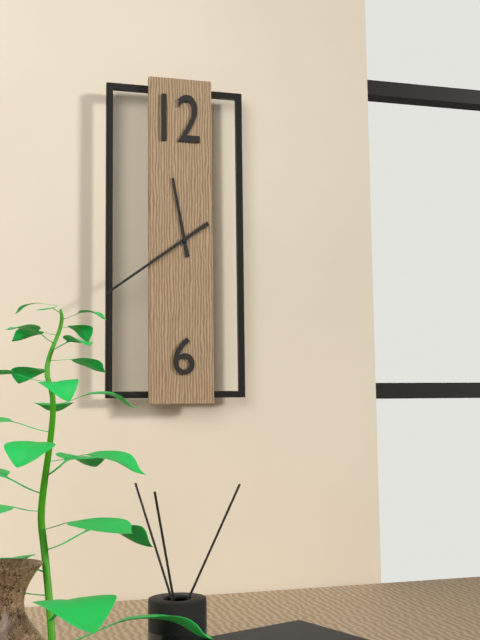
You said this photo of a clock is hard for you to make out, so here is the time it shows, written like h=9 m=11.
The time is h=11 m=39
